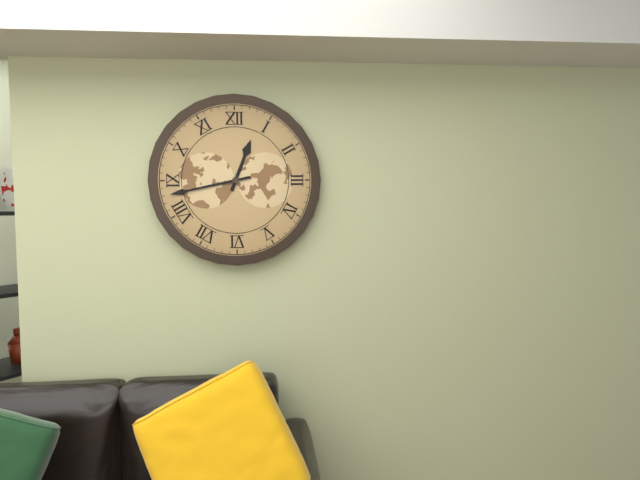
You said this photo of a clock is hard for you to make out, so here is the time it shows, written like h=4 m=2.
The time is h=12 m=43
